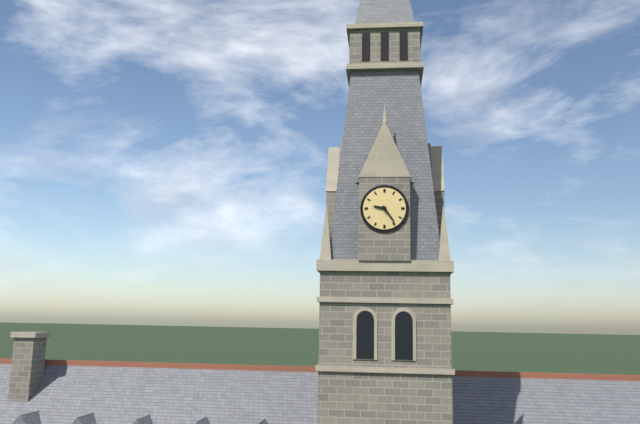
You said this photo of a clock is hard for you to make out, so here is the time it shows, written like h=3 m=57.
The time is h=9 m=24
